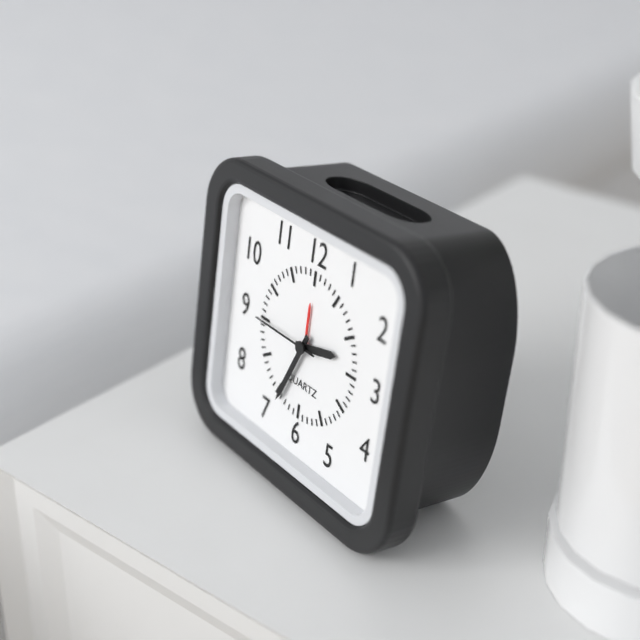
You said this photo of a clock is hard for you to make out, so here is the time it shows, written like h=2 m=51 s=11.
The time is h=2 m=34 s=45
